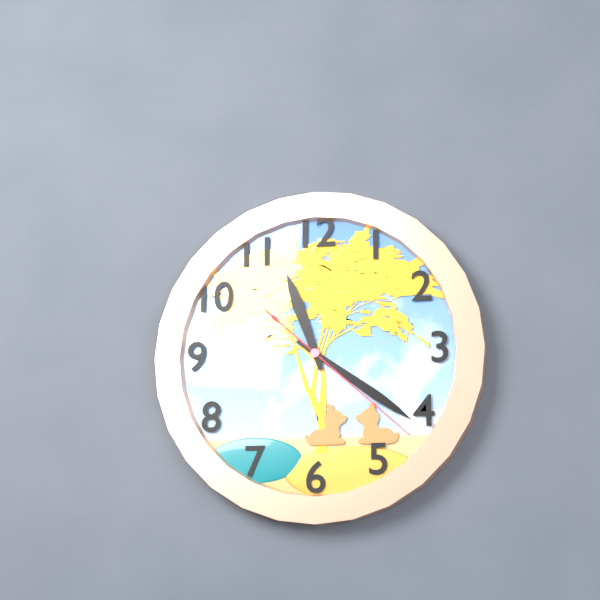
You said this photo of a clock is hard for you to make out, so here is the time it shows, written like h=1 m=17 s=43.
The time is h=11 m=21 s=22
